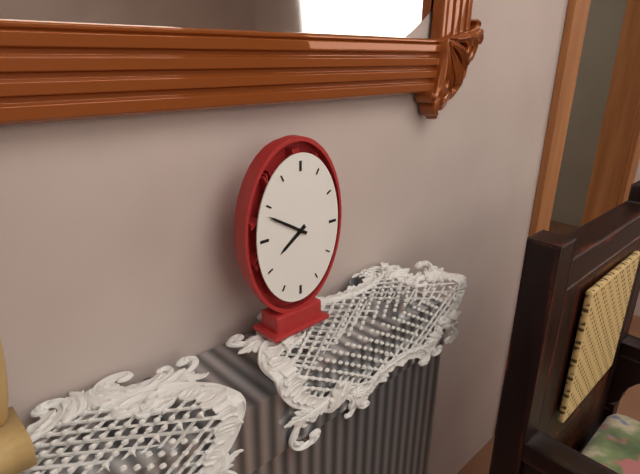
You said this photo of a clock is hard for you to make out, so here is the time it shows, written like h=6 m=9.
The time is h=7 m=50
